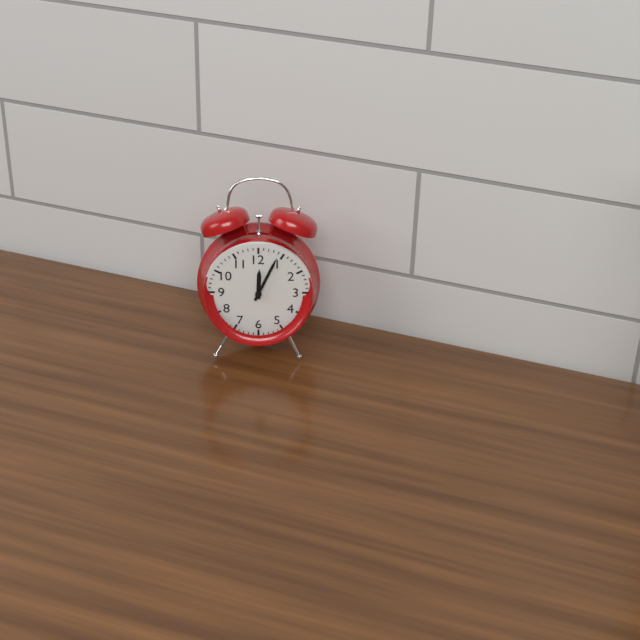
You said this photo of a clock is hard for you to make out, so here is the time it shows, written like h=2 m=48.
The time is h=12 m=4
